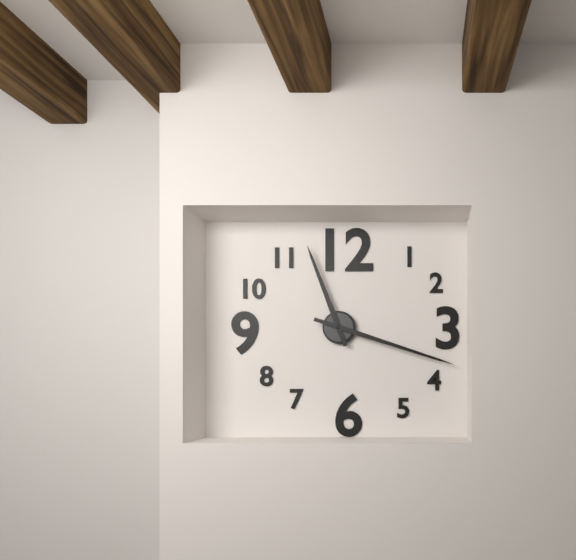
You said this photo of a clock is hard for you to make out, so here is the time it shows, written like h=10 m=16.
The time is h=11 m=18
